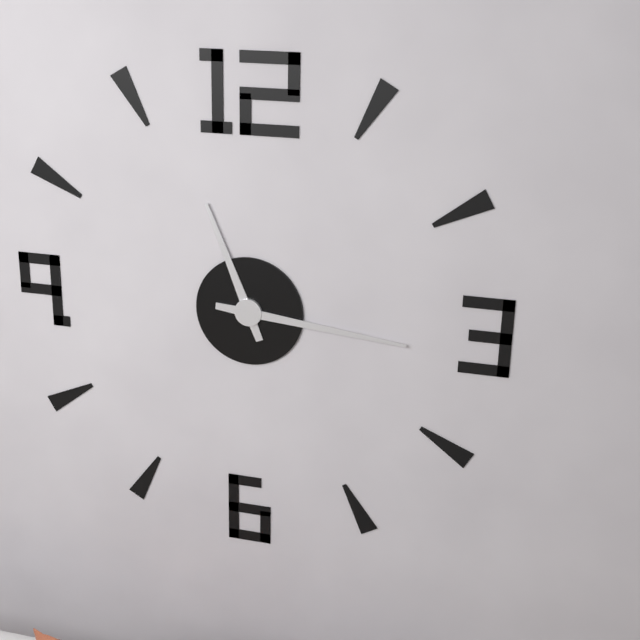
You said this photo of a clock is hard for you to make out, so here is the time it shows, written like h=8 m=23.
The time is h=11 m=16
